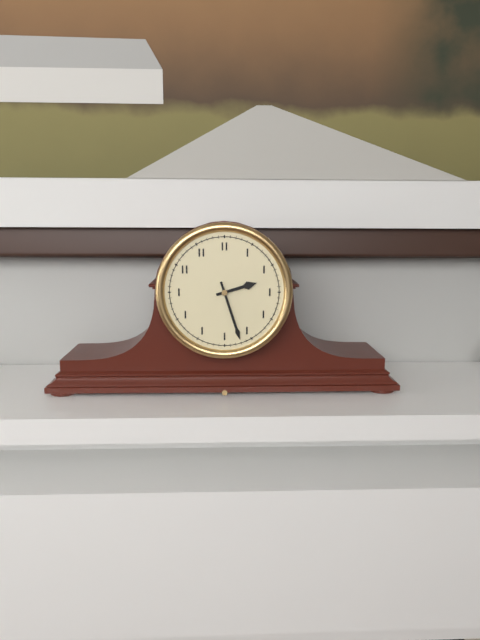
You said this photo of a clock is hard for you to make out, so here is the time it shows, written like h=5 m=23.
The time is h=2 m=27
